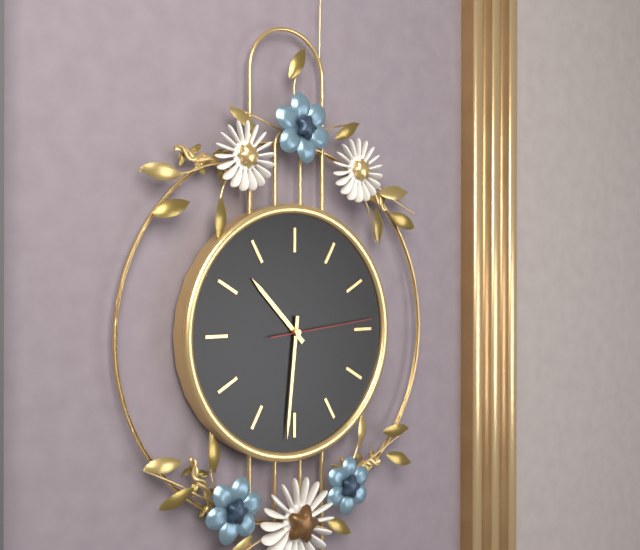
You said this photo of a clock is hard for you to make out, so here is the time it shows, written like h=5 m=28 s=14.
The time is h=10 m=31 s=14
